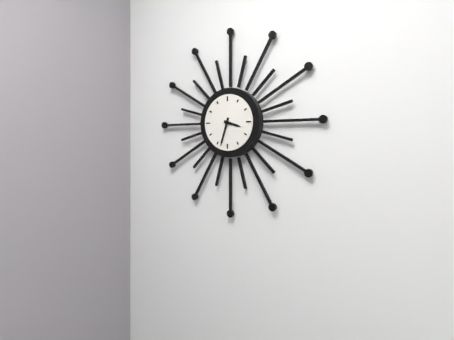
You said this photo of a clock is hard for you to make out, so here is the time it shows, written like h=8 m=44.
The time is h=3 m=33
